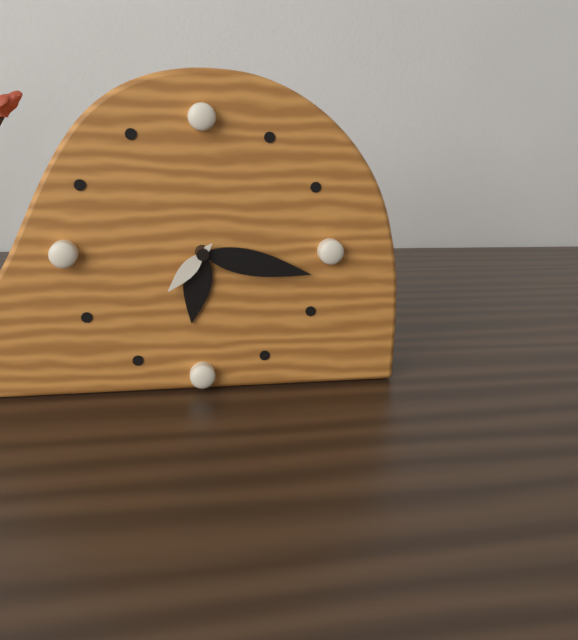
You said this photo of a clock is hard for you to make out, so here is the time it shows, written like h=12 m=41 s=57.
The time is h=6 m=17 s=37
